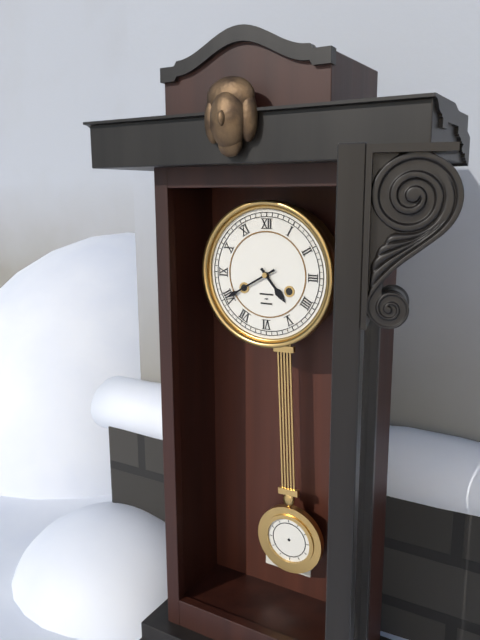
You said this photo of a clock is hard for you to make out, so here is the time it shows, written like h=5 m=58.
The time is h=4 m=40
